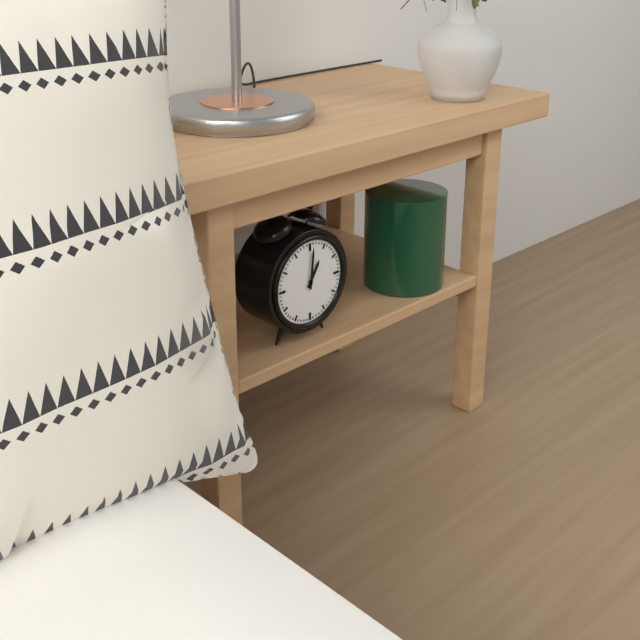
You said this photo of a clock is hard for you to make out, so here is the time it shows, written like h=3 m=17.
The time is h=1 m=1
